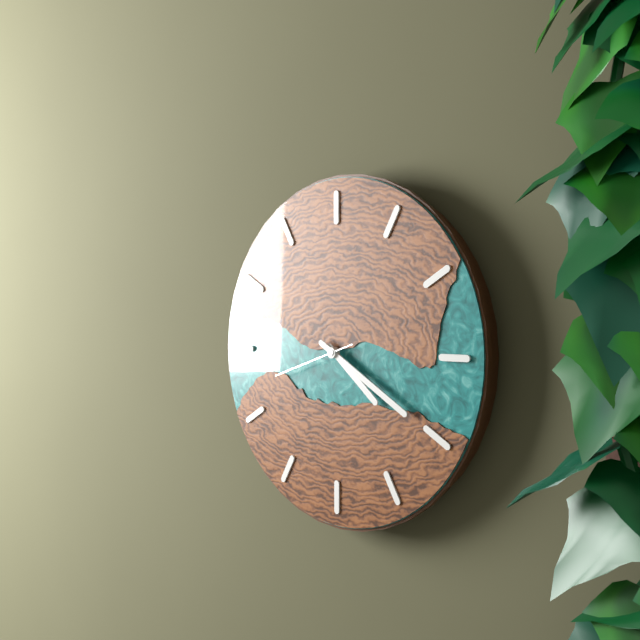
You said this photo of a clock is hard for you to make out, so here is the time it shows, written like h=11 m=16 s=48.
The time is h=4 m=20 s=42
